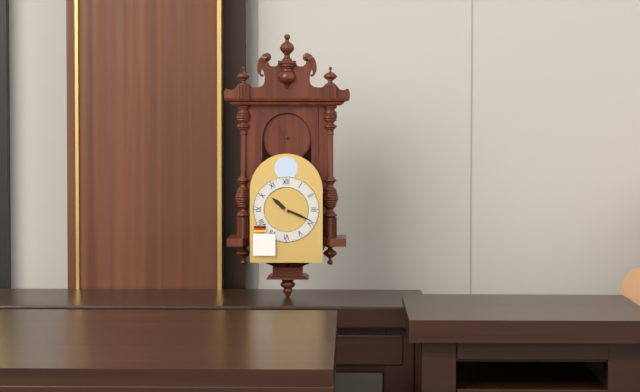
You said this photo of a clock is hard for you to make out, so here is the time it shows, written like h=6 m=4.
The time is h=10 m=19
